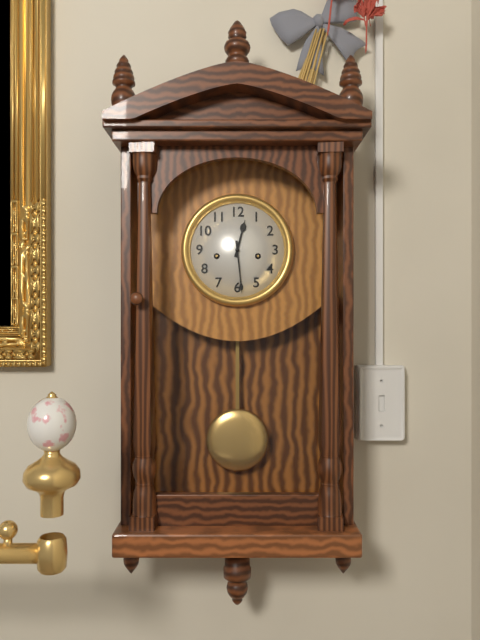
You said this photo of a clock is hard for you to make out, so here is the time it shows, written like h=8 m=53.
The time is h=12 m=29
